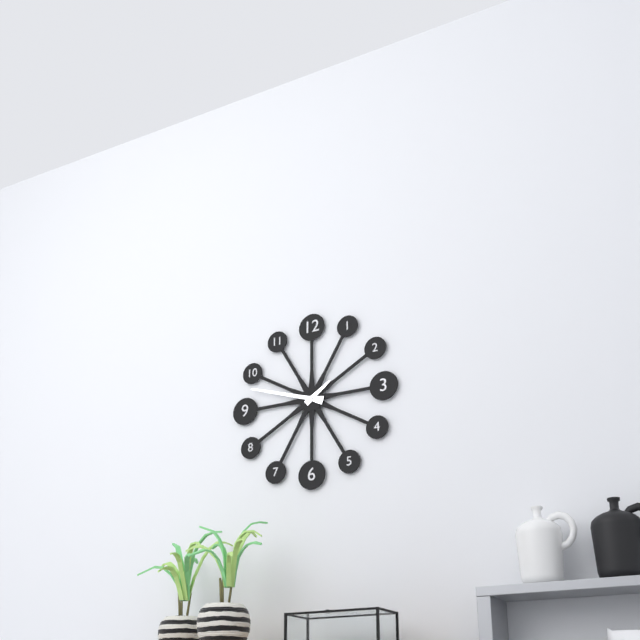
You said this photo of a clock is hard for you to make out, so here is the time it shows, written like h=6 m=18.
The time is h=1 m=48
